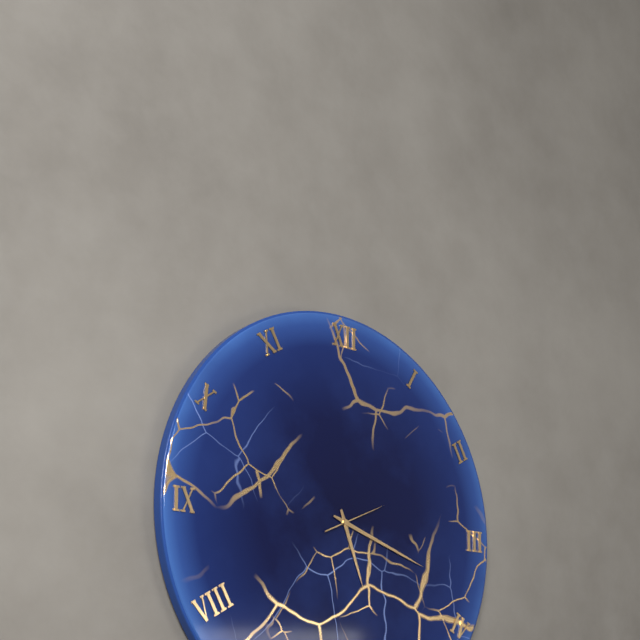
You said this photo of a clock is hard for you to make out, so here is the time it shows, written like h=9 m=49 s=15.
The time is h=5 m=18 s=11
